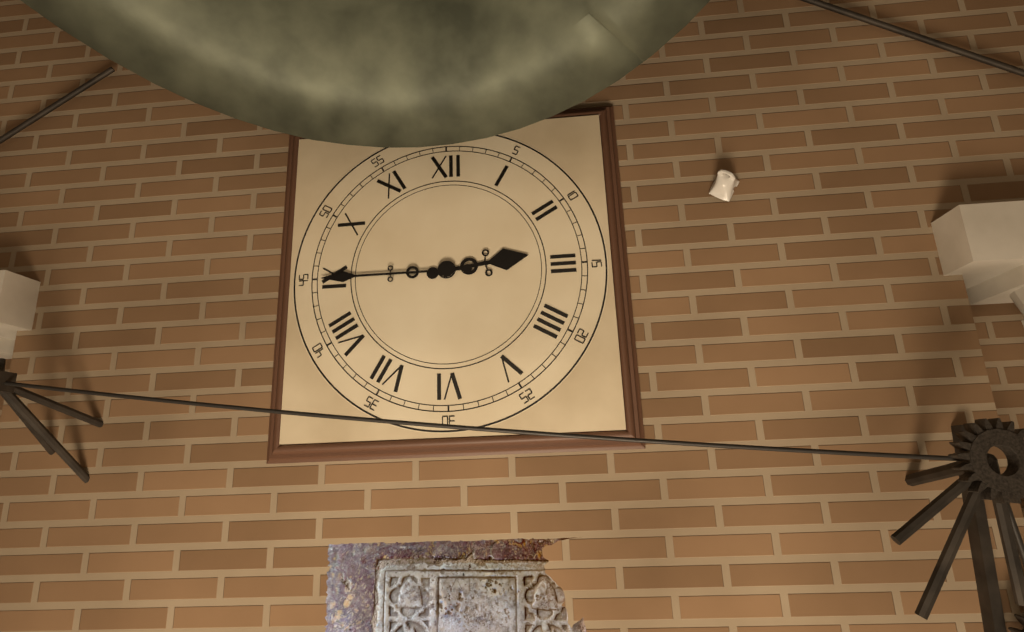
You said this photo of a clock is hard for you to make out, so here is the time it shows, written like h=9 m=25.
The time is h=2 m=45
